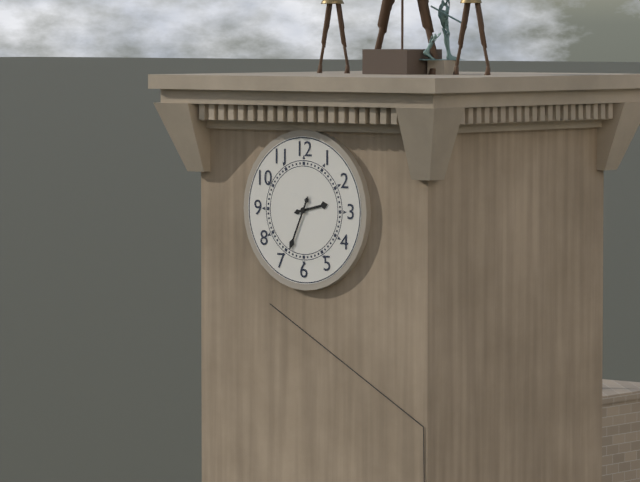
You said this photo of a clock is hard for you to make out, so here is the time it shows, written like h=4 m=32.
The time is h=2 m=34
